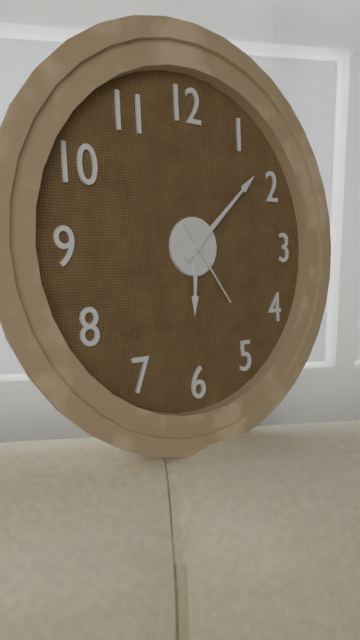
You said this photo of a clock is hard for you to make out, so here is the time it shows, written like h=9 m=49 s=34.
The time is h=6 m=8 s=24
